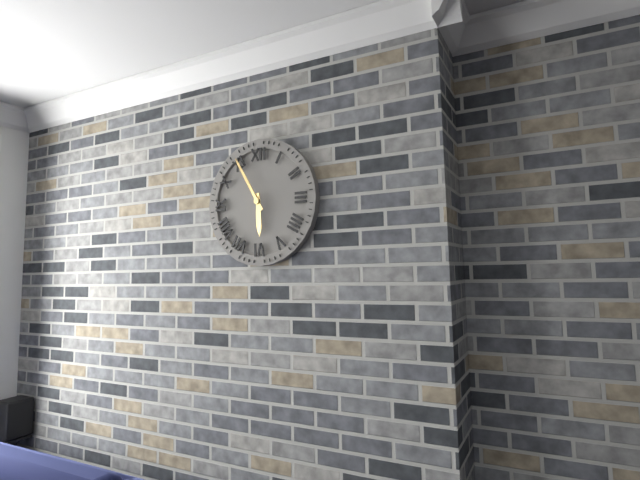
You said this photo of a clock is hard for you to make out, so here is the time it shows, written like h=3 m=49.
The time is h=5 m=55
